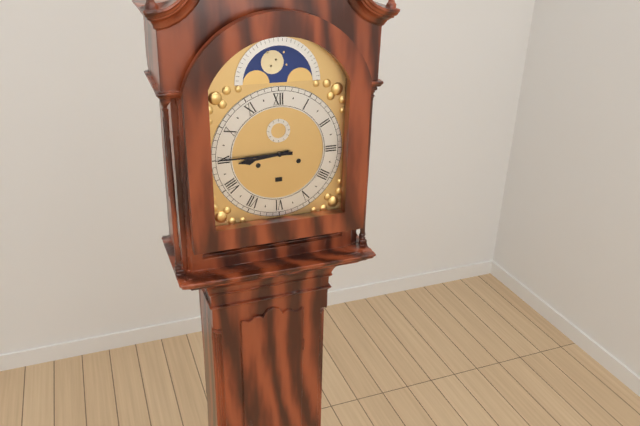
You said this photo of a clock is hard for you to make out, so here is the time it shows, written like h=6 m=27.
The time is h=8 m=45
